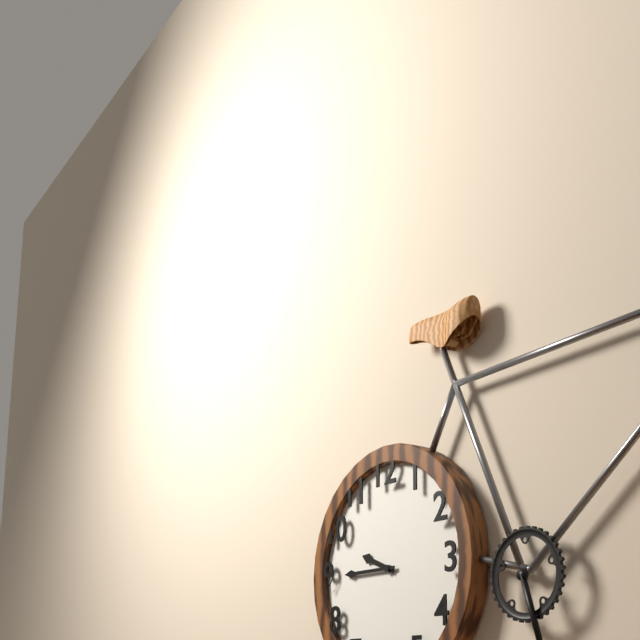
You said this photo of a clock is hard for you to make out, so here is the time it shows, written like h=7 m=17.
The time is h=9 m=45
